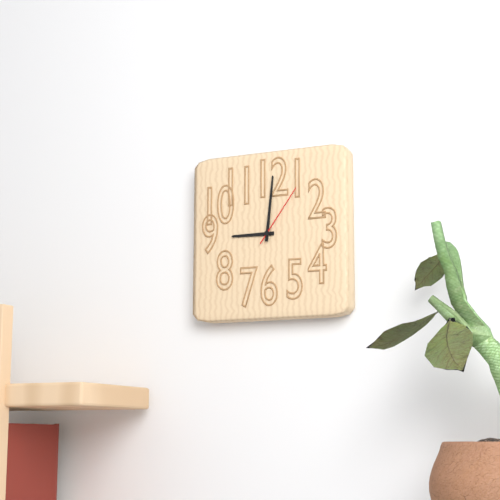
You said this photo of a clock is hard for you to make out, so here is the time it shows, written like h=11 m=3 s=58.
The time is h=9 m=1 s=6
